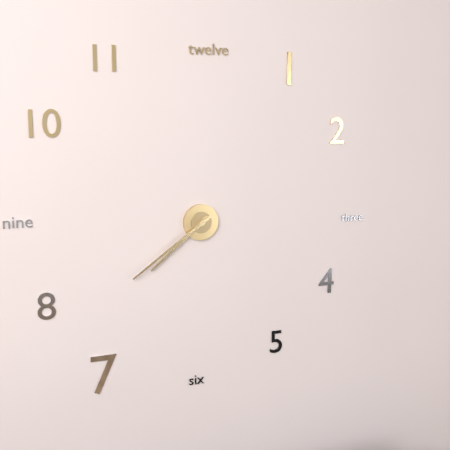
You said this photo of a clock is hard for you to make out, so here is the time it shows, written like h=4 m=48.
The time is h=7 m=39
